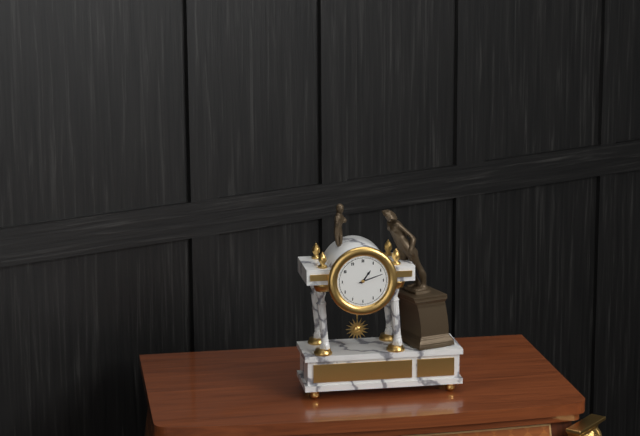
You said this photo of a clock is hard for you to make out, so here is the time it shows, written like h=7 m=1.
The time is h=1 m=12
